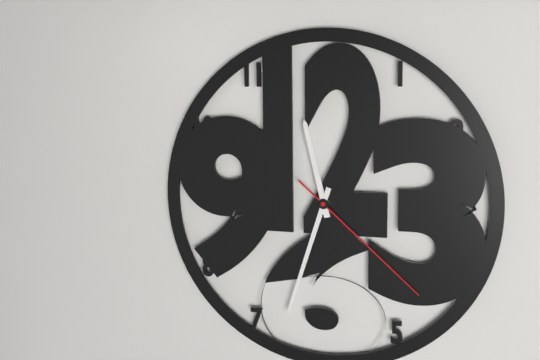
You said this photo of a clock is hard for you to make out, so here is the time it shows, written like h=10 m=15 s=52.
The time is h=11 m=33 s=22
